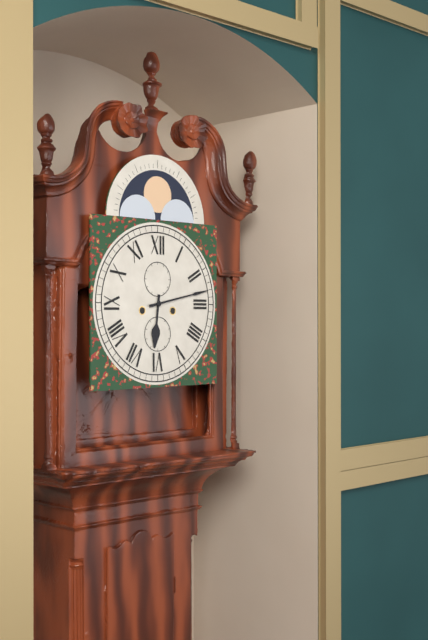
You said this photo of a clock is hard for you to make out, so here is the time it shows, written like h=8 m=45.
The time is h=6 m=13
